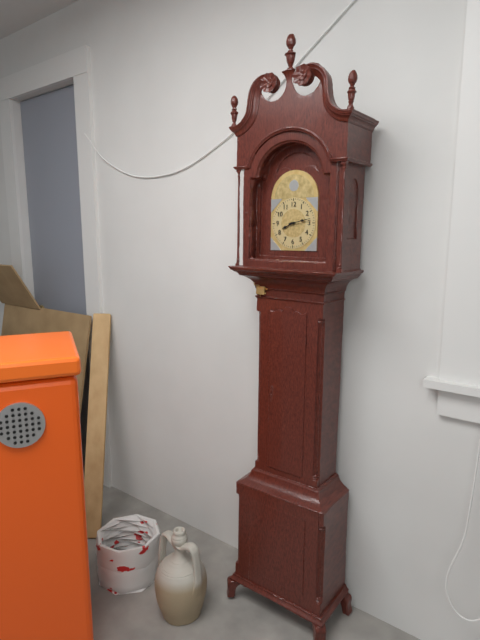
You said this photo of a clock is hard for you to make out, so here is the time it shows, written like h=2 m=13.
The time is h=8 m=13
